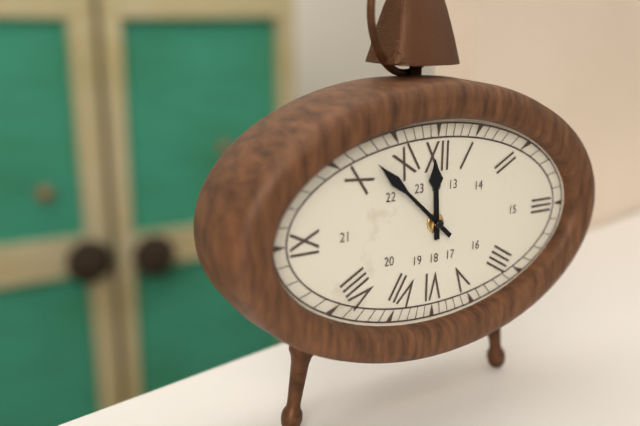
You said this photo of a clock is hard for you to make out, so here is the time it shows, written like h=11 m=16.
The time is h=11 m=52
